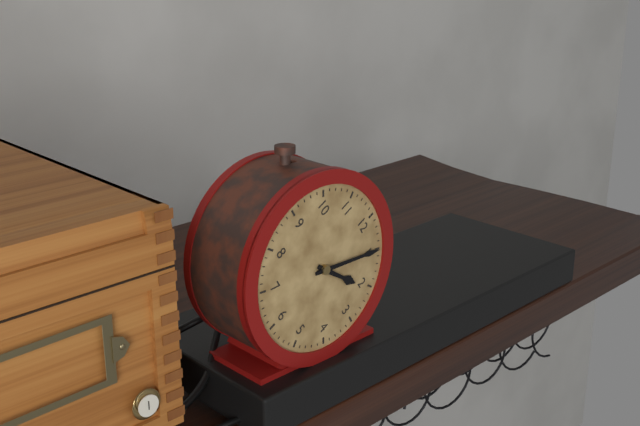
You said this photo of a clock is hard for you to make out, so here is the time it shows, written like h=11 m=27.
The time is h=2 m=5
